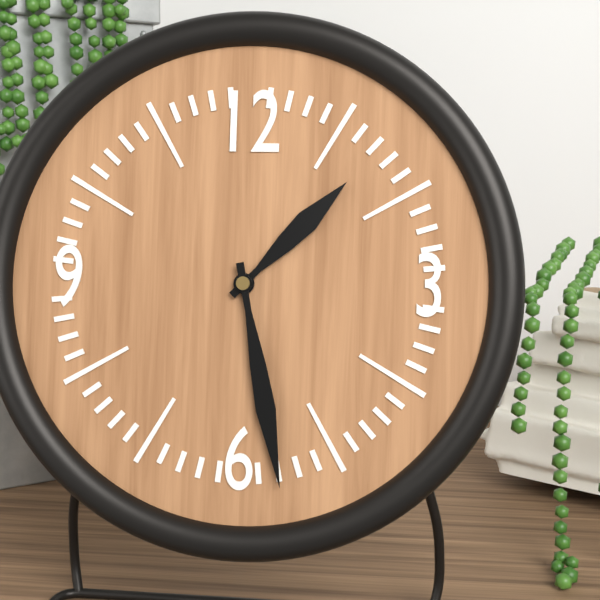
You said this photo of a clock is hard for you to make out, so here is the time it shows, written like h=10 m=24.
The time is h=1 m=28
